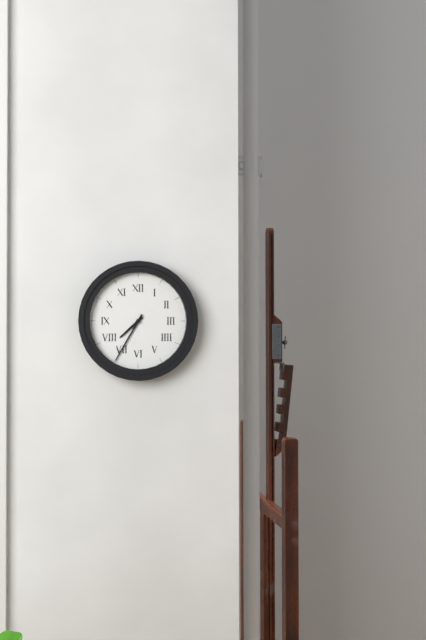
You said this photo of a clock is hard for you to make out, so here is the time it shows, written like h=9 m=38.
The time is h=7 m=35
